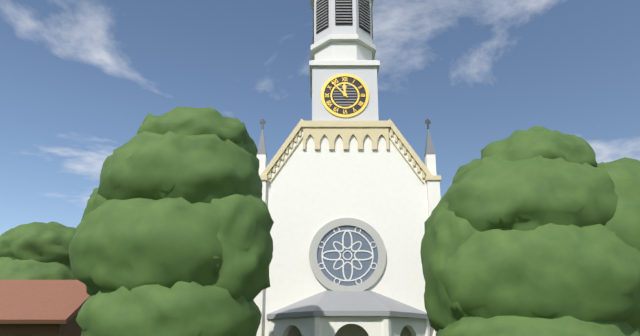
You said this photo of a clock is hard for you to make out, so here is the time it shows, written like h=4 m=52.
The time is h=11 m=53
